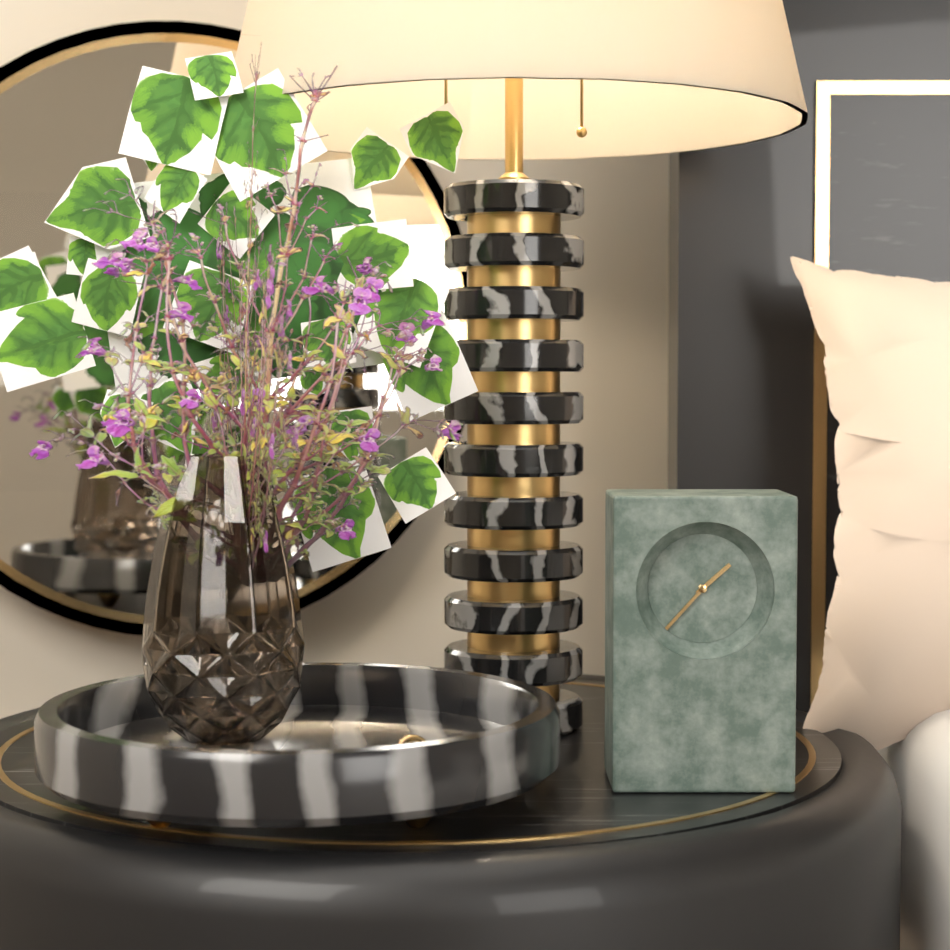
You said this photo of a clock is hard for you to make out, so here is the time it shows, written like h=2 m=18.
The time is h=1 m=37
